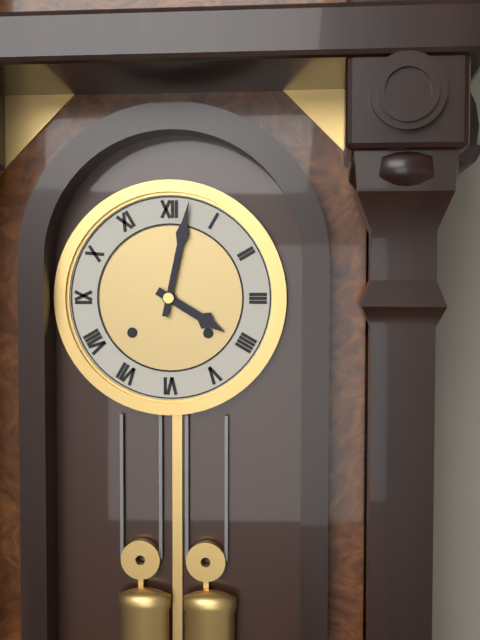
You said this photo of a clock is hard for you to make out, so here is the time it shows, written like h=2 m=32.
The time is h=4 m=2
